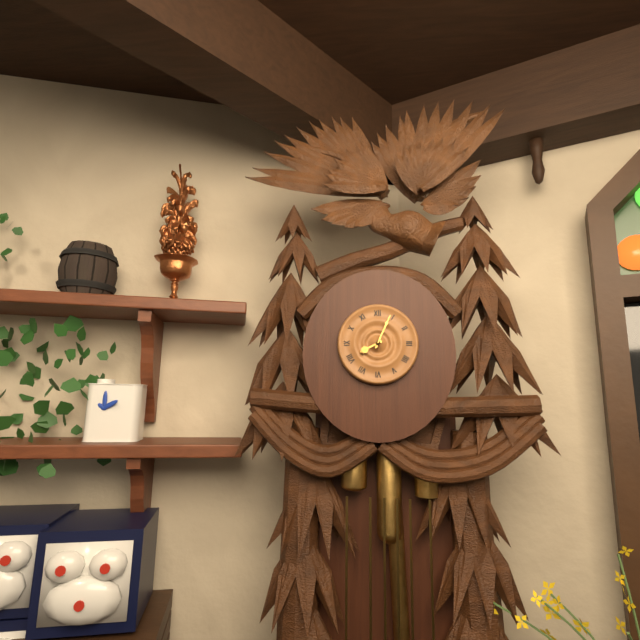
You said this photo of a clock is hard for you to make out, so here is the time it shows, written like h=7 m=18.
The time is h=8 m=4
